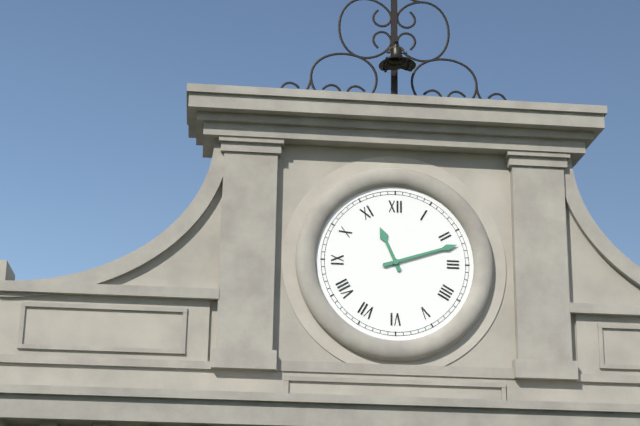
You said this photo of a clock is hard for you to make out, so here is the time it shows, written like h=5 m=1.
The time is h=11 m=12
